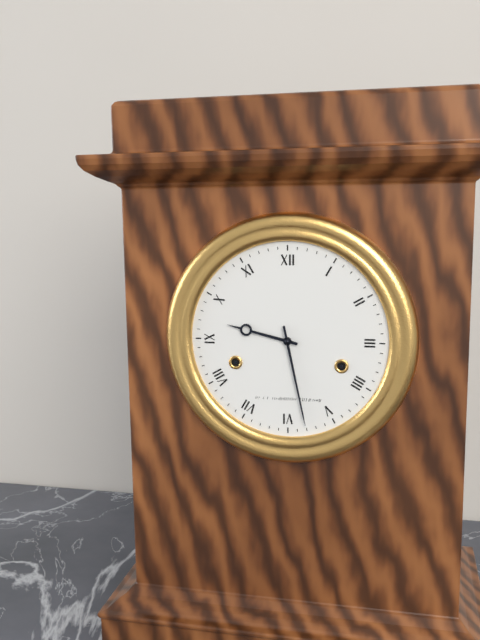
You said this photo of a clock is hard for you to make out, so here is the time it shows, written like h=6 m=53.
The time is h=9 m=28
